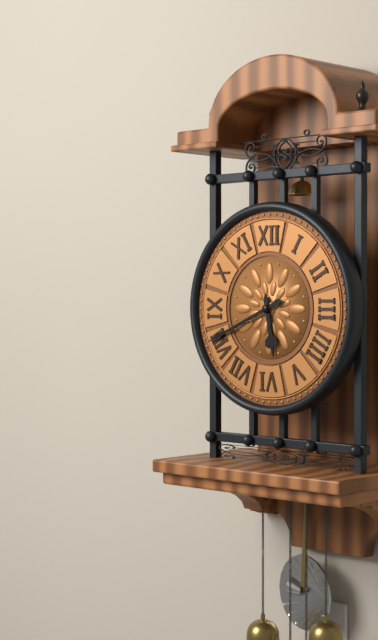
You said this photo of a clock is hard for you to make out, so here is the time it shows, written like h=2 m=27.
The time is h=5 m=41
